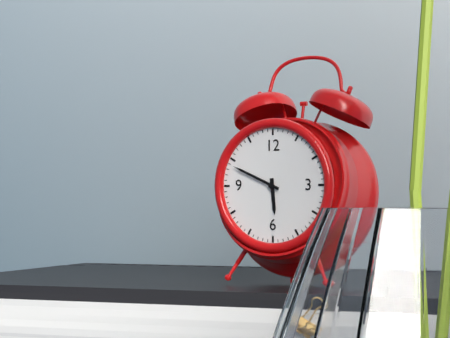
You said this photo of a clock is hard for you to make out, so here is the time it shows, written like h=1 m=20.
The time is h=5 m=49
